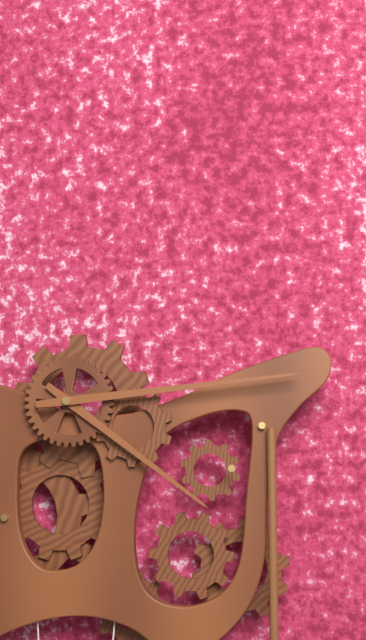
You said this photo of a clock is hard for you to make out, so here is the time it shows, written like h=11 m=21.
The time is h=4 m=14
